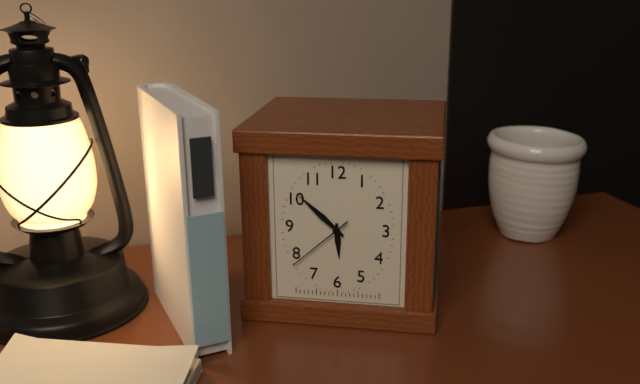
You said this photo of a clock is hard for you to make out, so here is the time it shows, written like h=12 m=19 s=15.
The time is h=5 m=52 s=38
